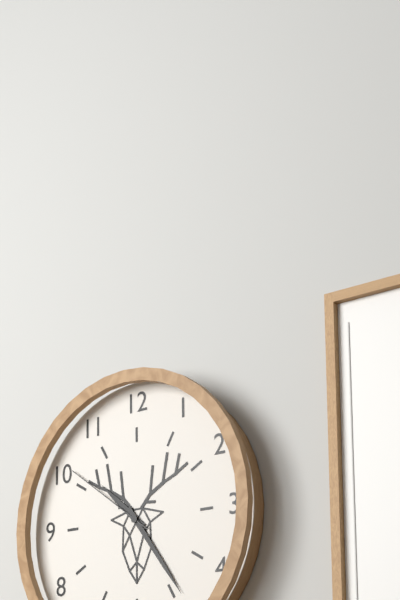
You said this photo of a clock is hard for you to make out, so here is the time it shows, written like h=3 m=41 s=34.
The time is h=10 m=24 s=51
